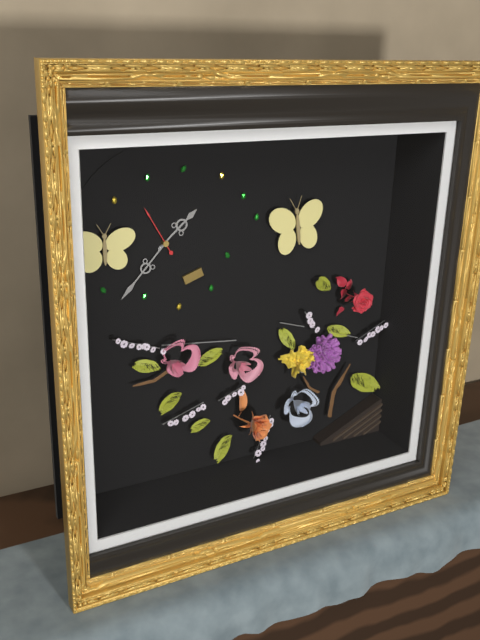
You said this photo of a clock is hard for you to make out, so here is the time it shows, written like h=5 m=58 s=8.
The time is h=1 m=37 s=55
